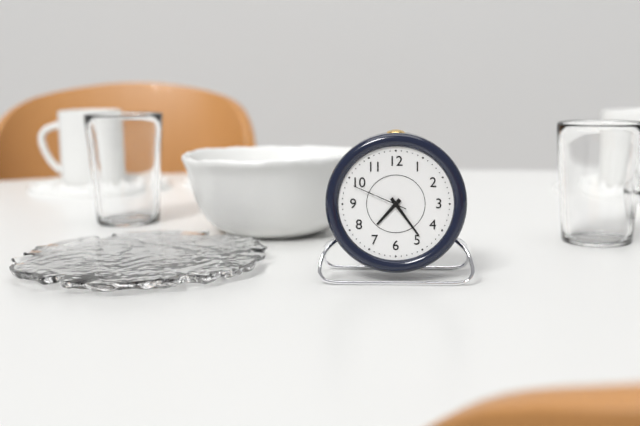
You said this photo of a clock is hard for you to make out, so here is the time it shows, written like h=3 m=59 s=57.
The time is h=7 m=24 s=49
